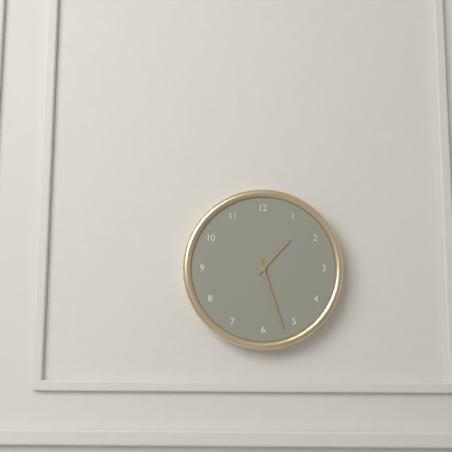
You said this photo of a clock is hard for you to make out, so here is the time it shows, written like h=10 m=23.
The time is h=1 m=27
